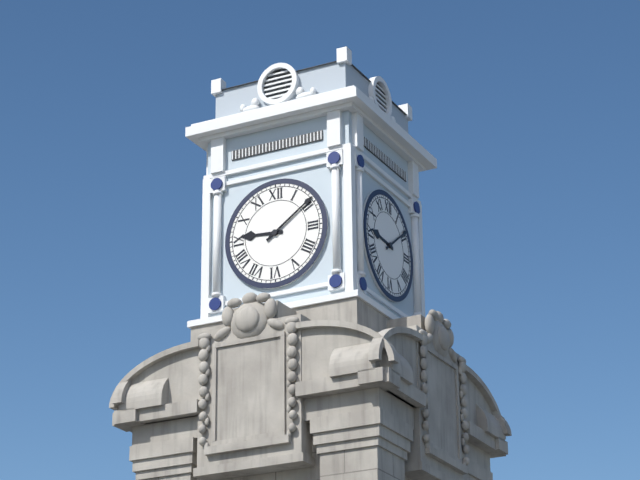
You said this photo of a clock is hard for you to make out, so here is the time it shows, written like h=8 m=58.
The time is h=9 m=9
